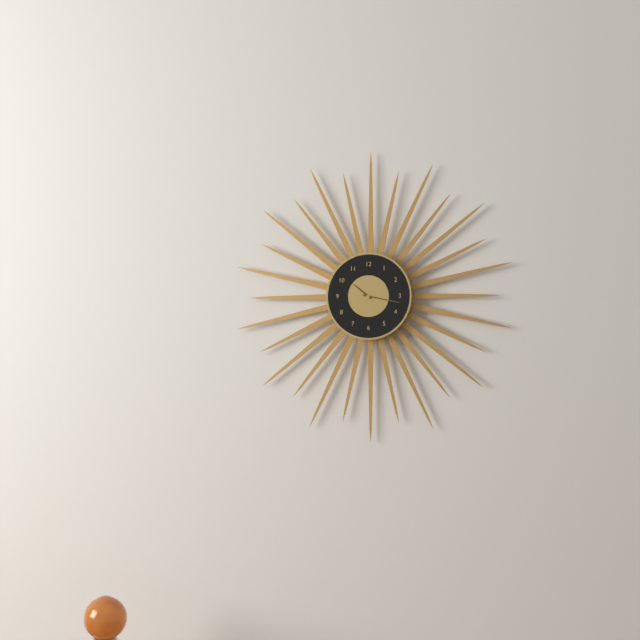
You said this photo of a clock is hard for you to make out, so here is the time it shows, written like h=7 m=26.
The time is h=10 m=17
